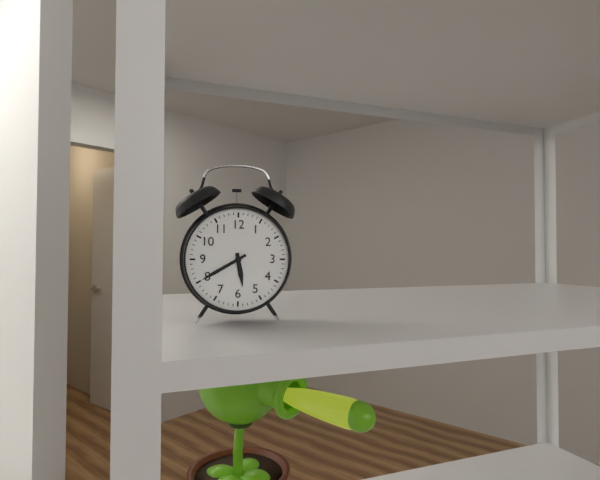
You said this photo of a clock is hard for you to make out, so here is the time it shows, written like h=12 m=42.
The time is h=5 m=40
